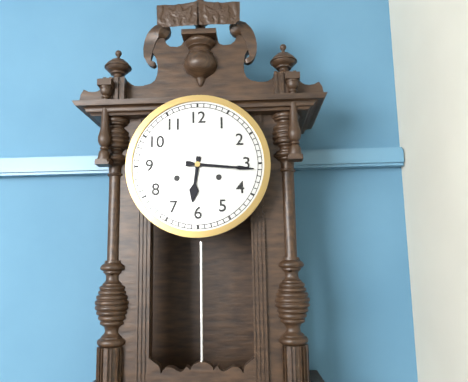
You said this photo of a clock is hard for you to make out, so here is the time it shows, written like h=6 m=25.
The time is h=6 m=16
